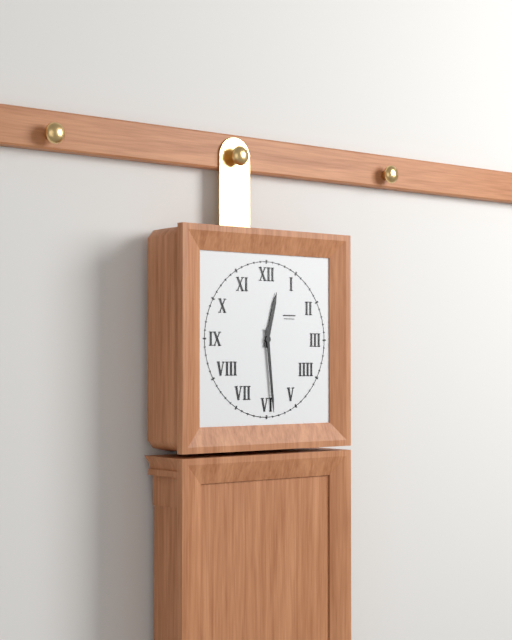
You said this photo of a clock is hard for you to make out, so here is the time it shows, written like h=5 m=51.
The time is h=12 m=29
